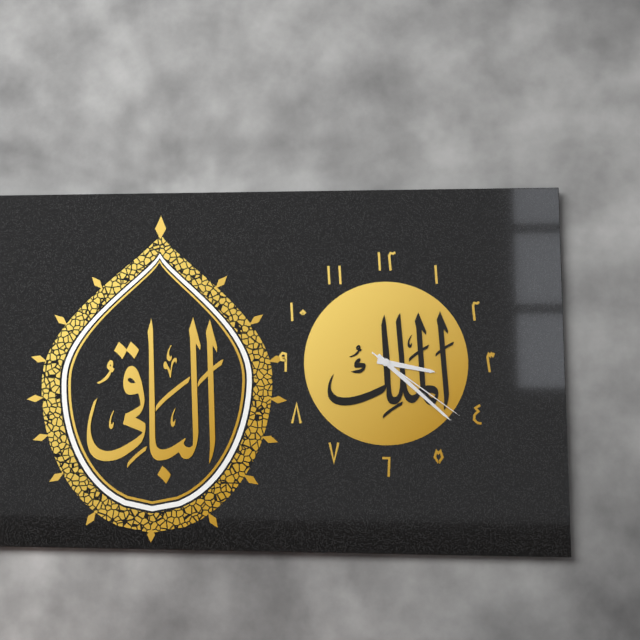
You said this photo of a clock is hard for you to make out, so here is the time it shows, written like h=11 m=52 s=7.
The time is h=3 m=22 s=21
